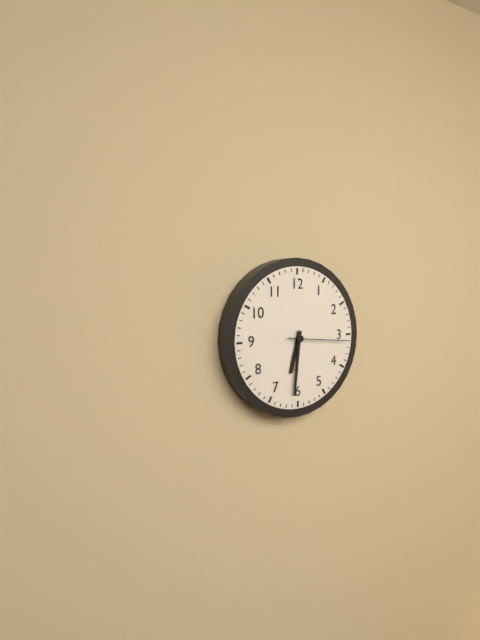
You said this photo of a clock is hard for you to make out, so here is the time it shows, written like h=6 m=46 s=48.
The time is h=6 m=31 s=16
